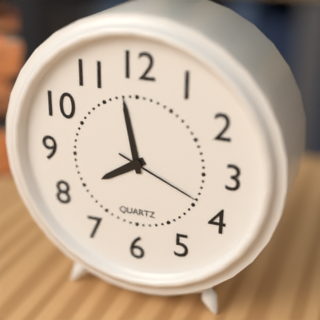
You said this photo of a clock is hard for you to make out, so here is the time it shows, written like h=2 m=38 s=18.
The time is h=7 m=58 s=19
